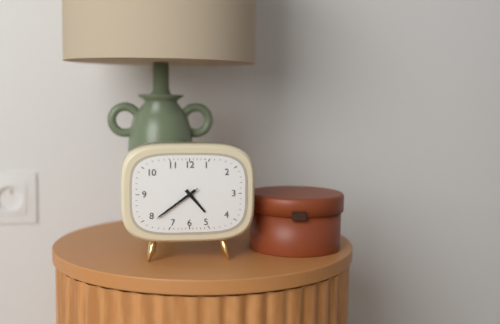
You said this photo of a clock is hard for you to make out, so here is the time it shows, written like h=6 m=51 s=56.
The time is h=4 m=39 s=39
